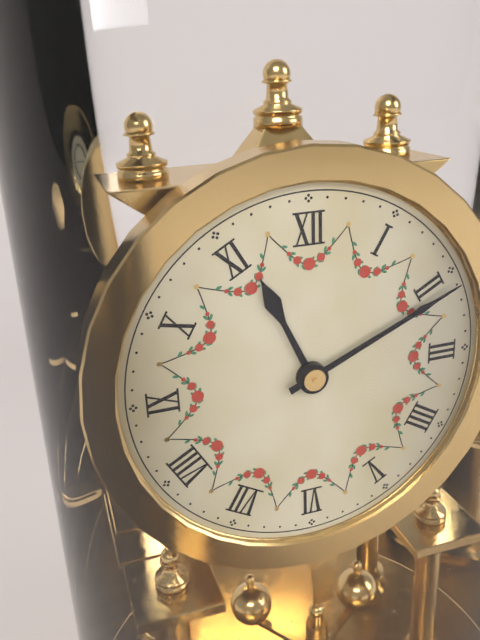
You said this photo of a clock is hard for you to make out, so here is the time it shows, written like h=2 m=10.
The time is h=11 m=11
